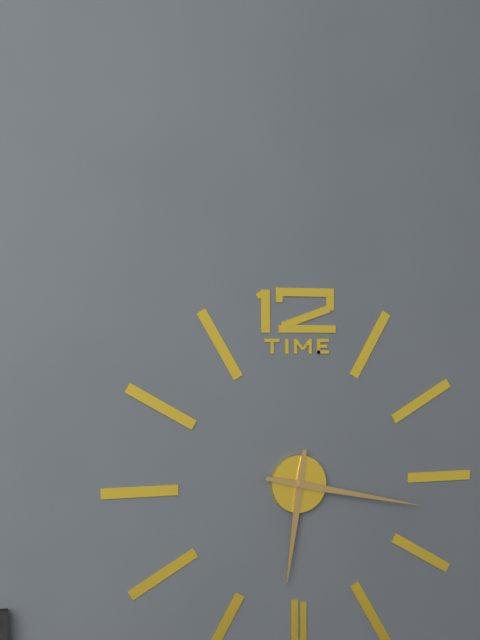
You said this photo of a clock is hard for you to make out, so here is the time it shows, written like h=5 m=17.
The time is h=6 m=17
